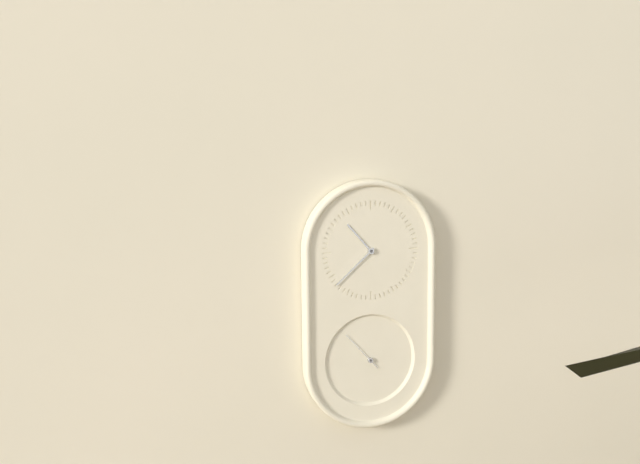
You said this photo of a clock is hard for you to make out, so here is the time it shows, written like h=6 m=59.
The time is h=10 m=38
